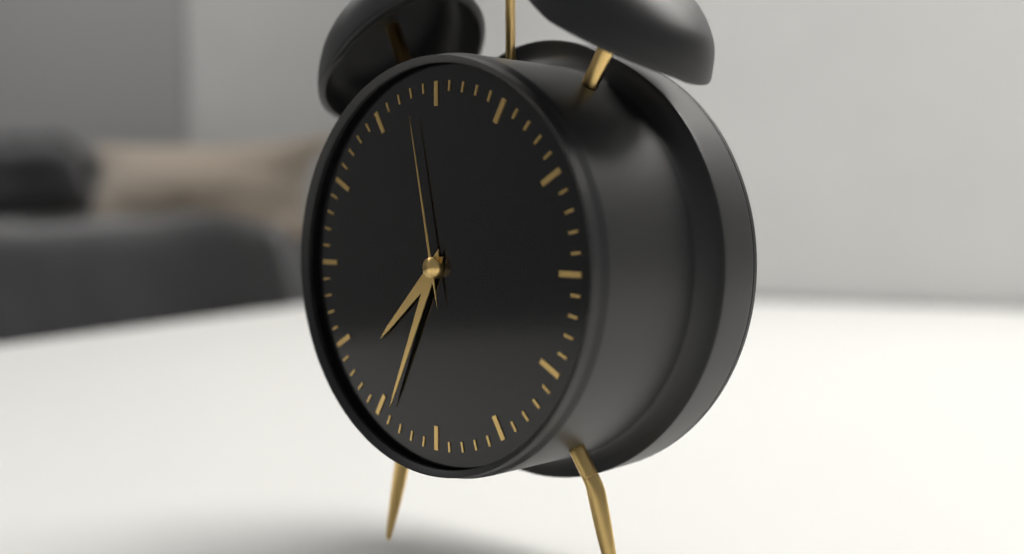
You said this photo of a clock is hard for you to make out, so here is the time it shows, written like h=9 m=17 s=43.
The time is h=7 m=34 s=58
